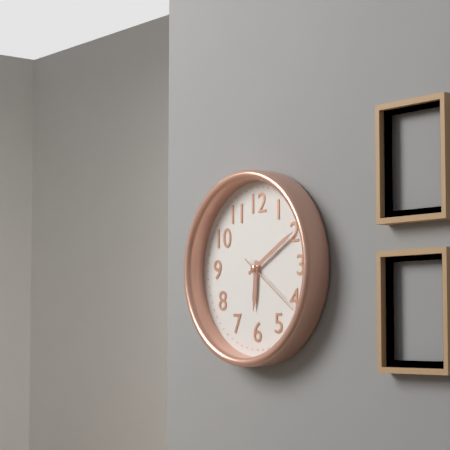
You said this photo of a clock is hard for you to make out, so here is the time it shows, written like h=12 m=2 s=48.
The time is h=6 m=10 s=21
